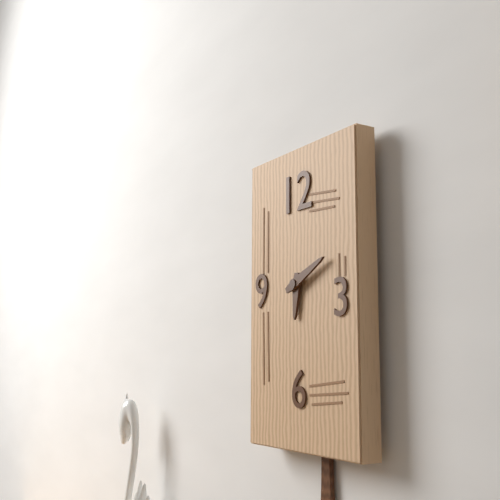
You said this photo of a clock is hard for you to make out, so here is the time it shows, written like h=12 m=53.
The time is h=6 m=11
